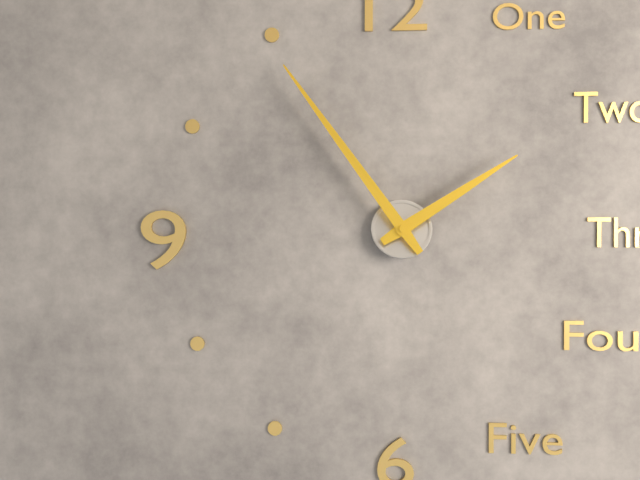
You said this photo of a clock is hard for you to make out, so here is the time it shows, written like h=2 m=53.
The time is h=1 m=54
